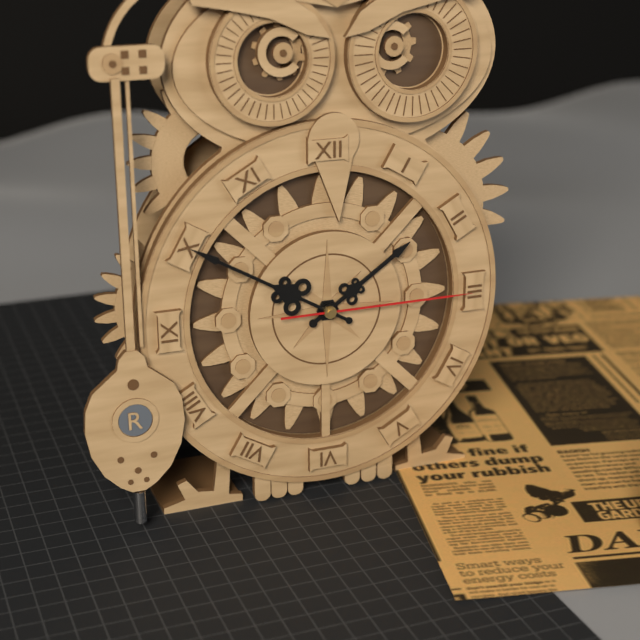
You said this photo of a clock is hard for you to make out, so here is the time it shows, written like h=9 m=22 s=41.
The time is h=1 m=50 s=15
